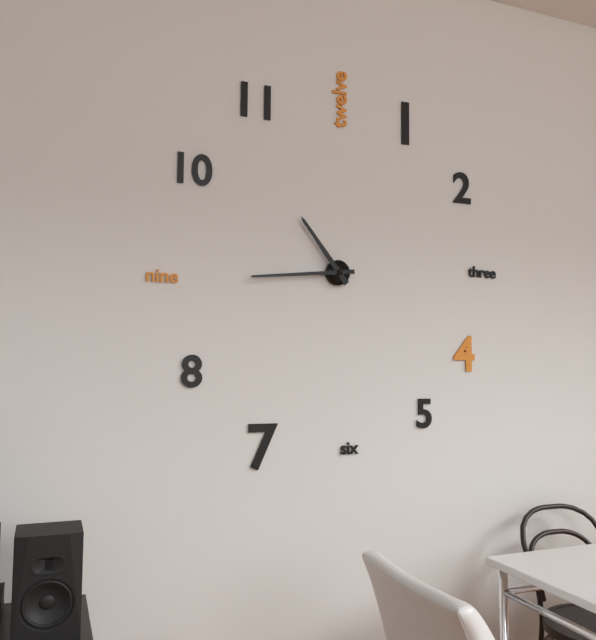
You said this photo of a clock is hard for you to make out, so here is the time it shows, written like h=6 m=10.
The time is h=10 m=44
